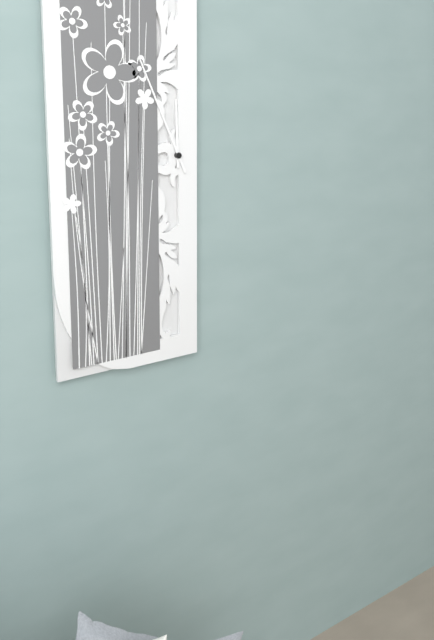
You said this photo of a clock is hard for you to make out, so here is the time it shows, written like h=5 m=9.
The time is h=11 m=56
